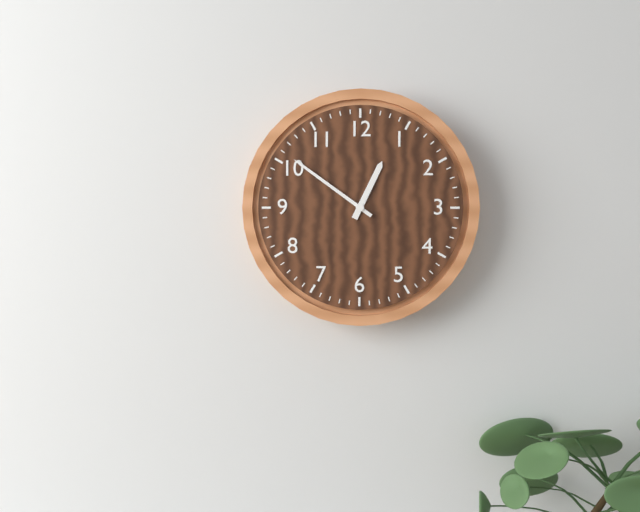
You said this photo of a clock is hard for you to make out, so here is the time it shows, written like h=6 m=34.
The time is h=12 m=51
